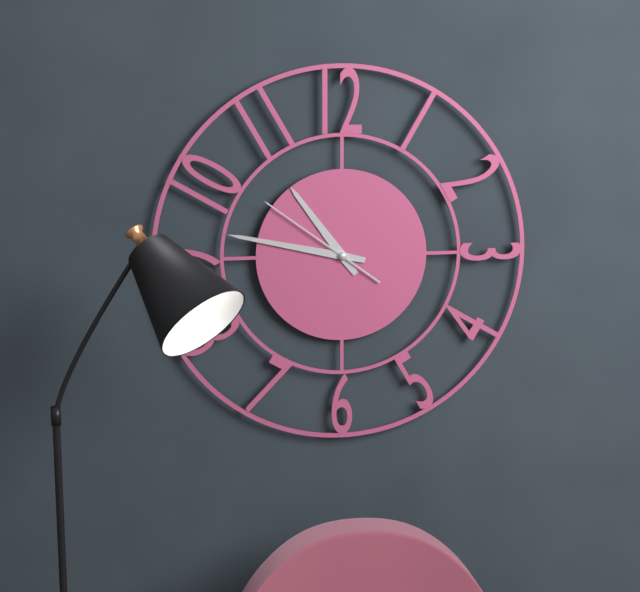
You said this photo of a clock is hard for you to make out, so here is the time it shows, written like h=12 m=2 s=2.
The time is h=10 m=47 s=51
